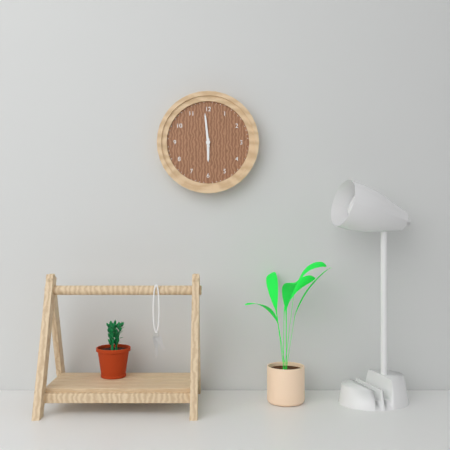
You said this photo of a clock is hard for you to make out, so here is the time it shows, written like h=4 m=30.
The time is h=5 m=59
